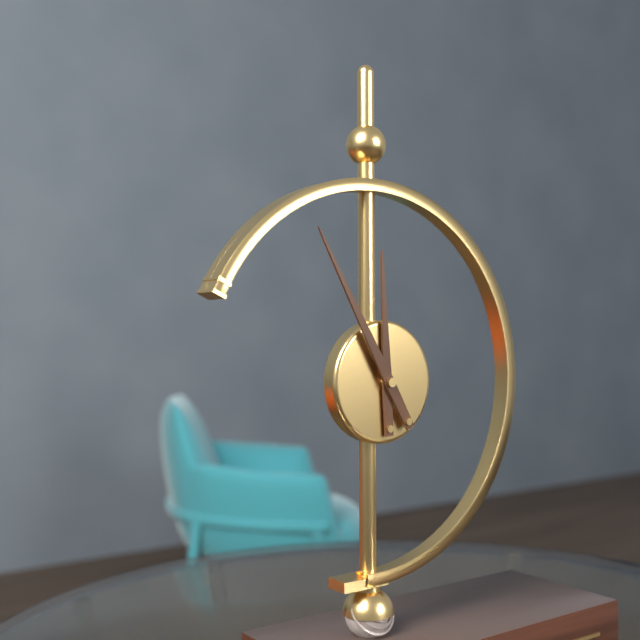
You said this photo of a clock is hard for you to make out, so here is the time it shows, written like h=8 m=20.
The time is h=11 m=55
